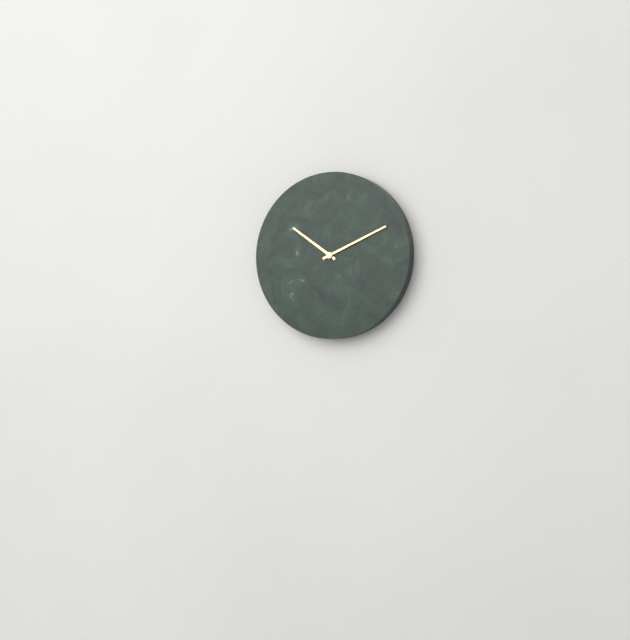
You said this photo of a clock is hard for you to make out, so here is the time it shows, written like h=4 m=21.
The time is h=10 m=11
